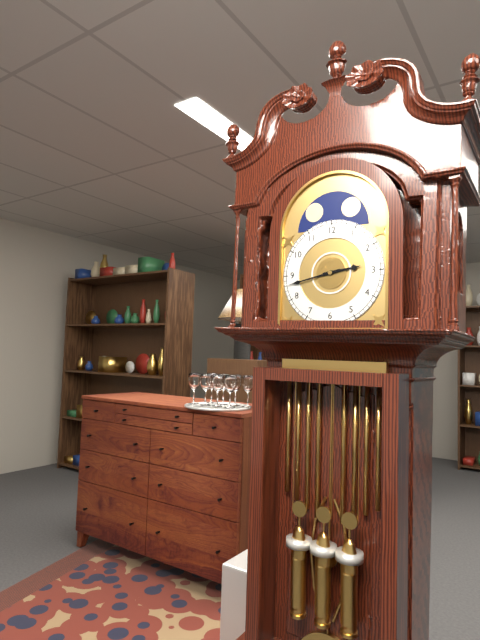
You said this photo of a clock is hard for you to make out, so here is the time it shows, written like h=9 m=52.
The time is h=2 m=43
